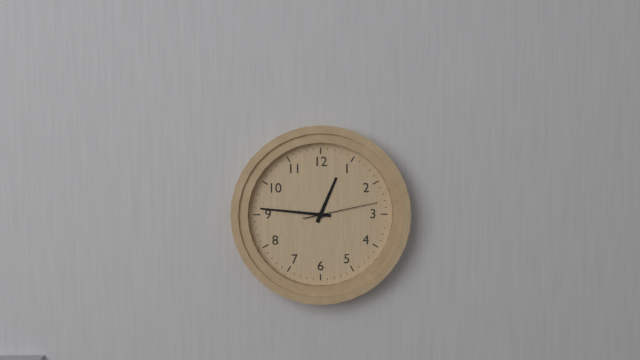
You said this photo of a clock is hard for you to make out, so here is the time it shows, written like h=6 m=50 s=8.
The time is h=12 m=46 s=13
